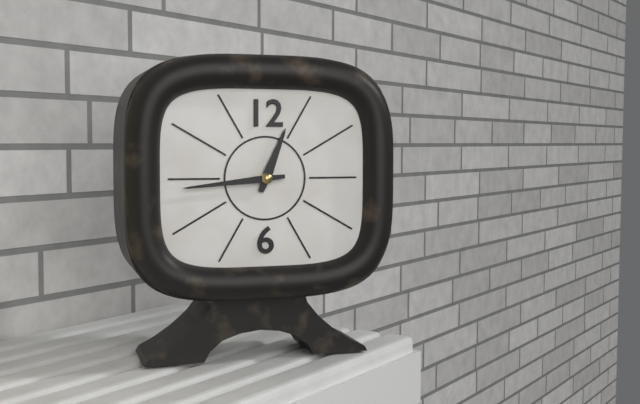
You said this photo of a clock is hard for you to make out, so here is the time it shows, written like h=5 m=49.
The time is h=12 m=44
